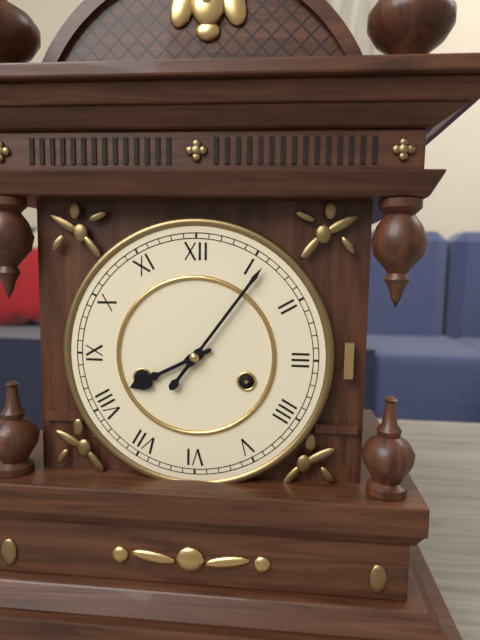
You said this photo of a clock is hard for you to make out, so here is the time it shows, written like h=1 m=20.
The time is h=8 m=6
